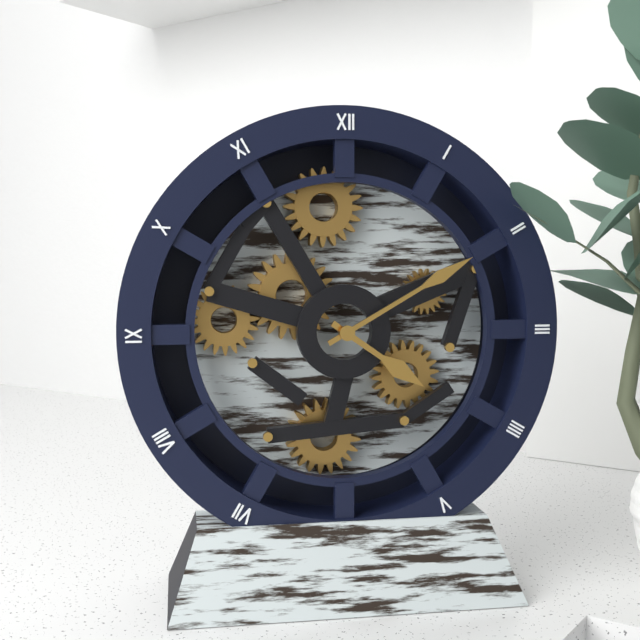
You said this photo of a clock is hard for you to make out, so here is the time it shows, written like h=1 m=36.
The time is h=4 m=10
